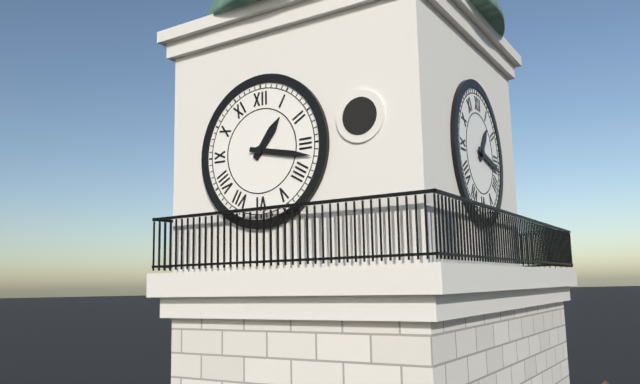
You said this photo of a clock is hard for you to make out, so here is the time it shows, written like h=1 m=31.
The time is h=1 m=17
